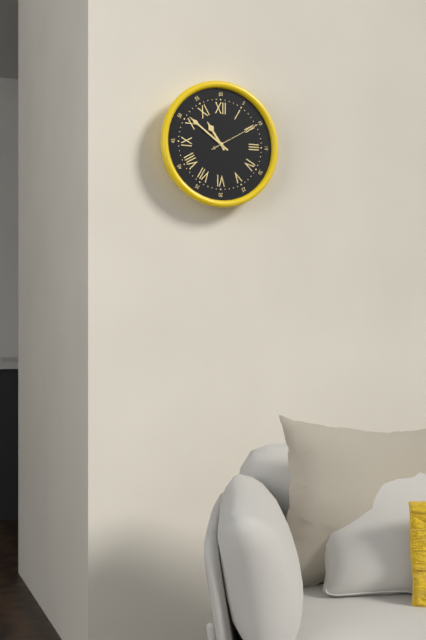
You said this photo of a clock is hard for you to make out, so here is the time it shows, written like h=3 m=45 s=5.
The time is h=10 m=51 s=10
